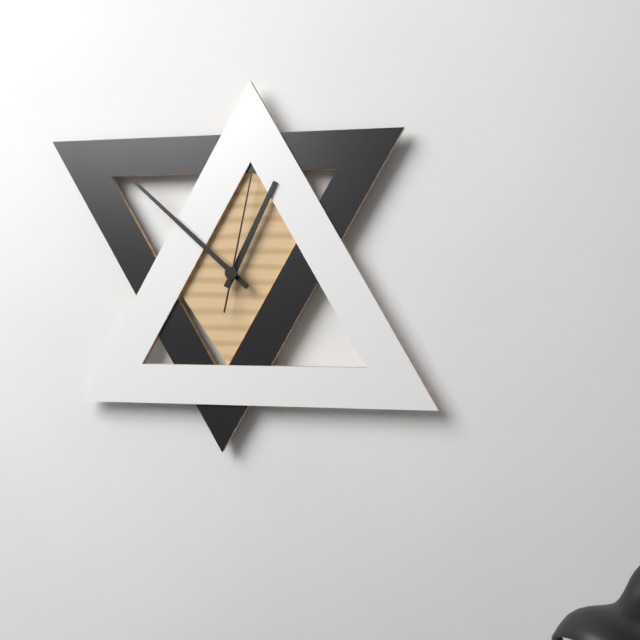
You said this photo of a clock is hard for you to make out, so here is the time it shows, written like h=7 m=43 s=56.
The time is h=12 m=52 s=2
